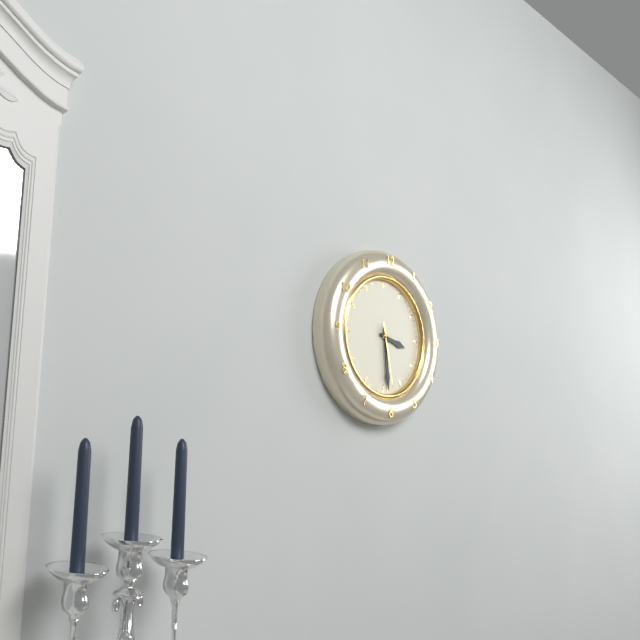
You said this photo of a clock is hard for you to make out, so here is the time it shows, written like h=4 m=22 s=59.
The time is h=3 m=29 s=28
